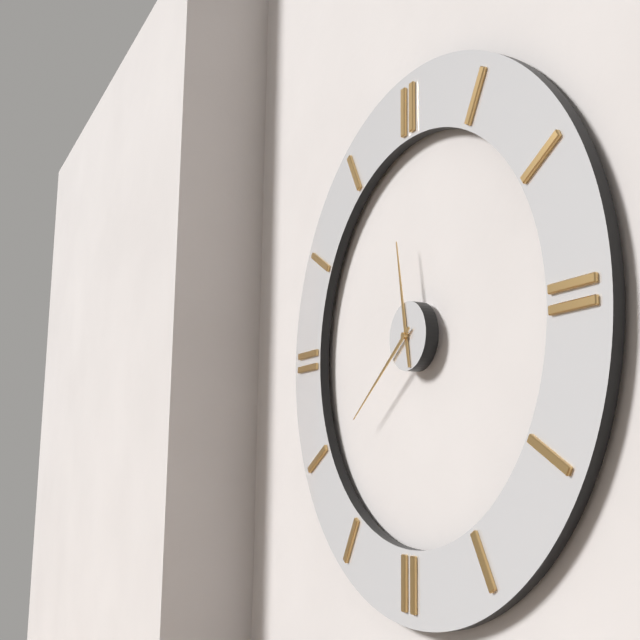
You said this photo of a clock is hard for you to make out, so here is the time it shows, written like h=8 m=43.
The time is h=11 m=39
